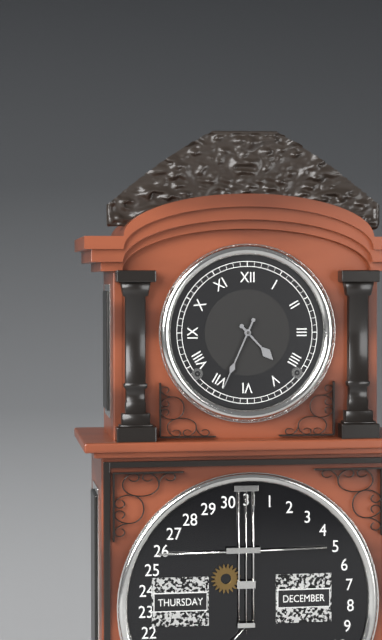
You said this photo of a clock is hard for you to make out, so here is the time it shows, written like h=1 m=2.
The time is h=4 m=34
